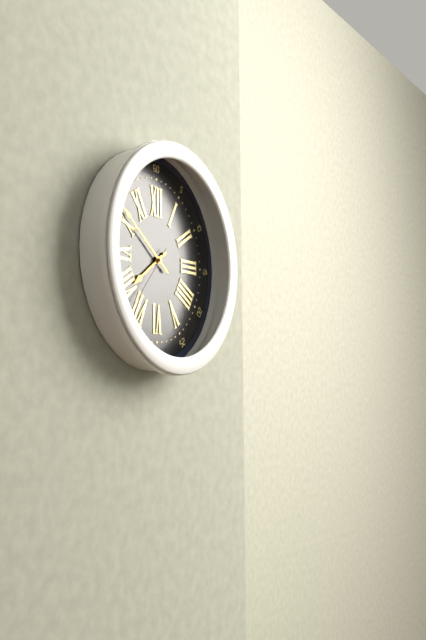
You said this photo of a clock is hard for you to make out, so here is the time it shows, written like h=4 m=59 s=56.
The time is h=7 m=51 s=37
